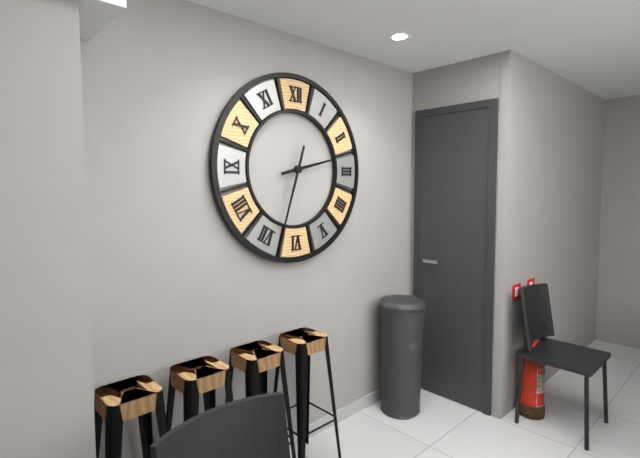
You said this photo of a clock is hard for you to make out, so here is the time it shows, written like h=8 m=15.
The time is h=2 m=33
